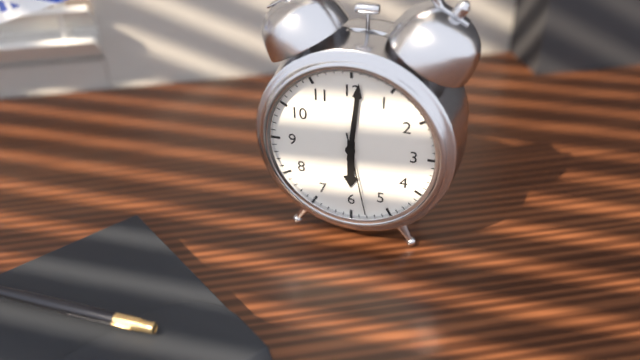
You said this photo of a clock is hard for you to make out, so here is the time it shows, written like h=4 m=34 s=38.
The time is h=6 m=1 s=28
